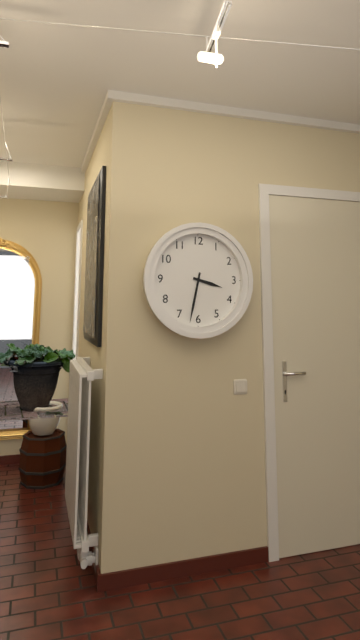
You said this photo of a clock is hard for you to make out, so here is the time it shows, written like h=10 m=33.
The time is h=3 m=32
